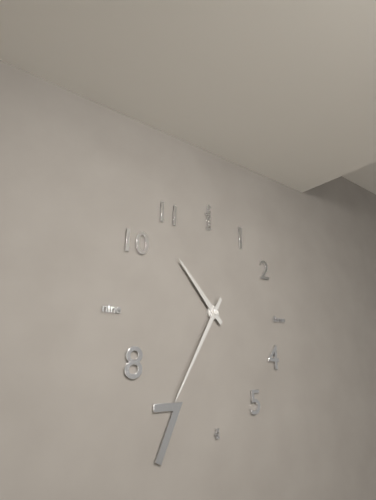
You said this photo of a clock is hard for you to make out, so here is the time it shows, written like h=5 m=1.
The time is h=10 m=35
